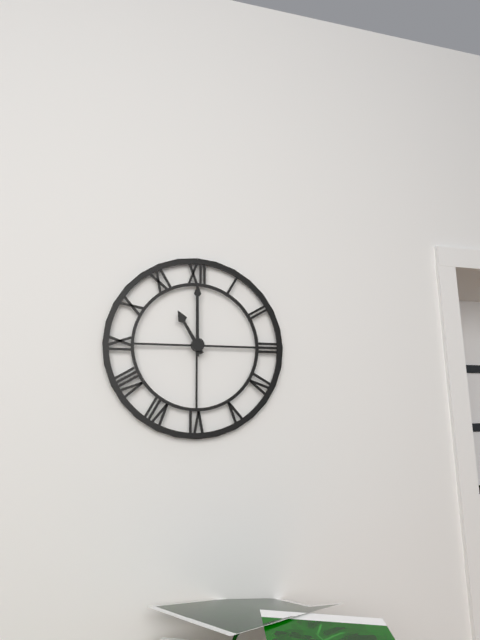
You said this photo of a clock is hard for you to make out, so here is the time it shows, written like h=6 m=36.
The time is h=11 m=0
